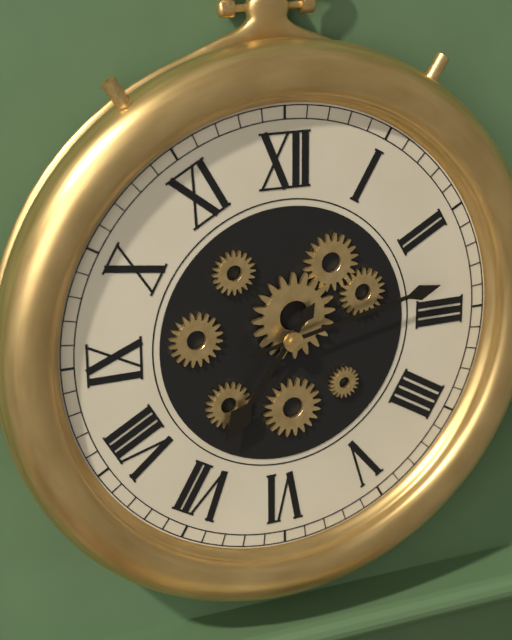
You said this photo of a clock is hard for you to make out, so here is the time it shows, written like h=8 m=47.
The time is h=7 m=13
